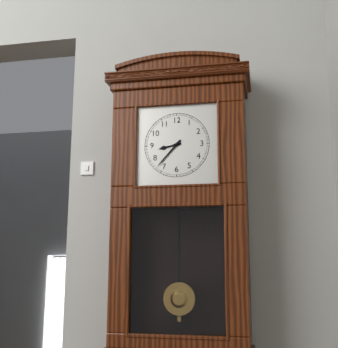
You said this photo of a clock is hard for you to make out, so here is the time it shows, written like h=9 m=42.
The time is h=8 m=37
